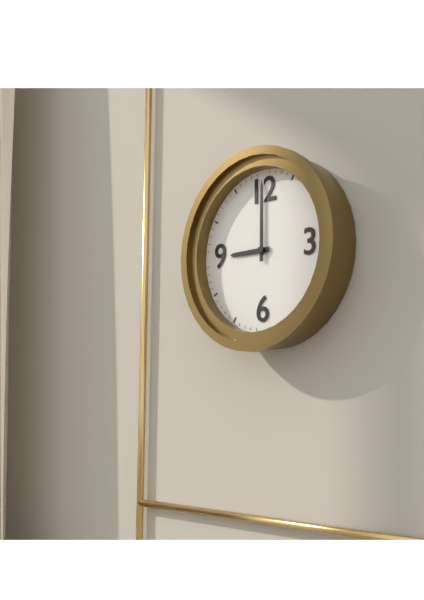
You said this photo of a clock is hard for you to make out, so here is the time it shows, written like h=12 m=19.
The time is h=9 m=0
